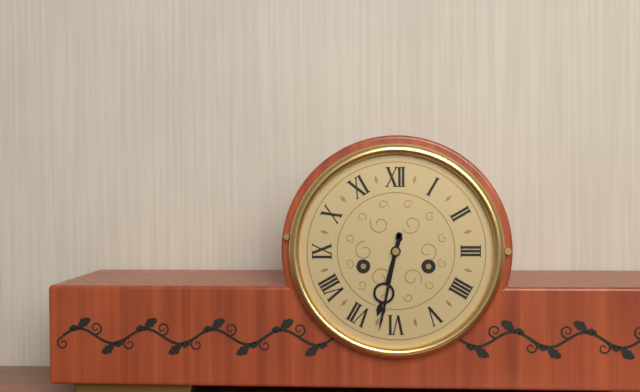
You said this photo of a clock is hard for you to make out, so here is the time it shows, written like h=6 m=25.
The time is h=6 m=32
